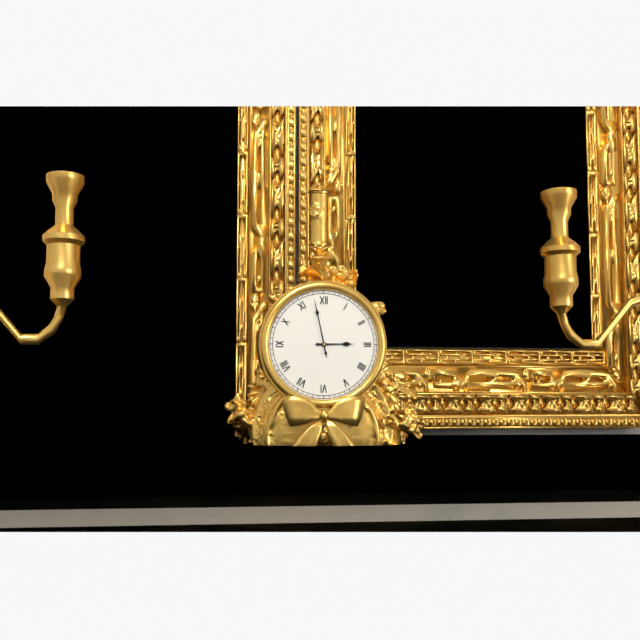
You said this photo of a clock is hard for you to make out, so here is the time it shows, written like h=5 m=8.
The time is h=2 m=58
